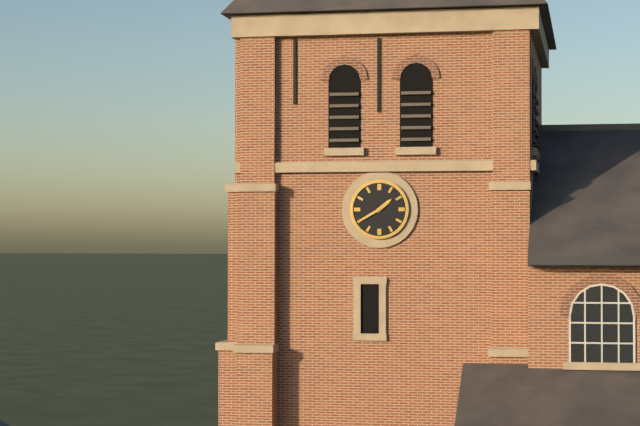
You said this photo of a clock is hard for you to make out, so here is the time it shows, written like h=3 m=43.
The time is h=1 m=40
